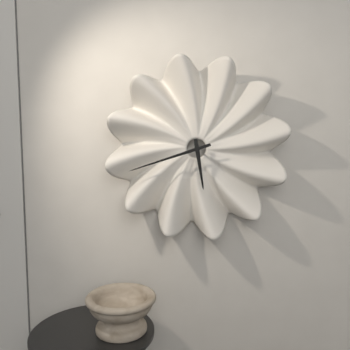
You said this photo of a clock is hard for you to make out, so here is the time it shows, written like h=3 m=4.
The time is h=5 m=42
